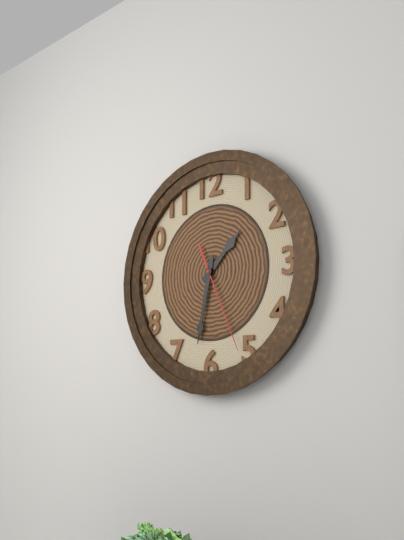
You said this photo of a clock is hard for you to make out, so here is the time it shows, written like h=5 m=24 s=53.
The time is h=1 m=32 s=26
